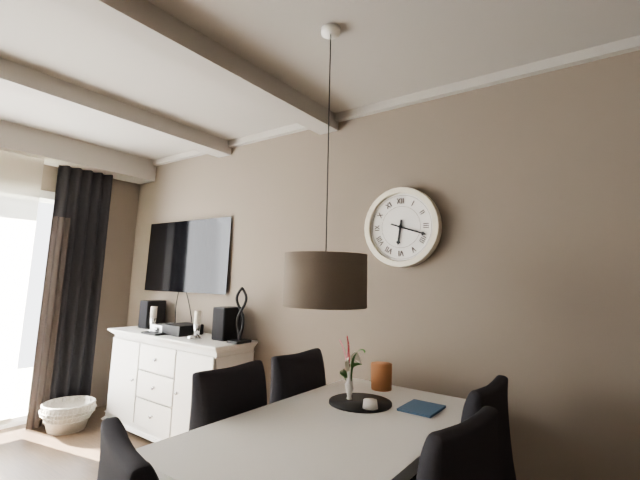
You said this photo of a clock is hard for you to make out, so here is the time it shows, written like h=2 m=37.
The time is h=6 m=18
